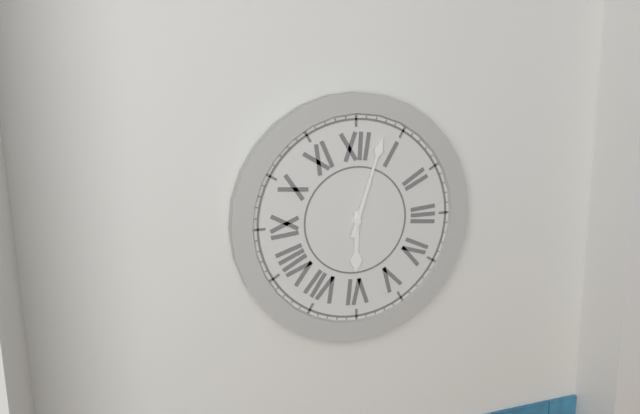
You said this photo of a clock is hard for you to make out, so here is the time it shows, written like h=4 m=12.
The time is h=6 m=3
